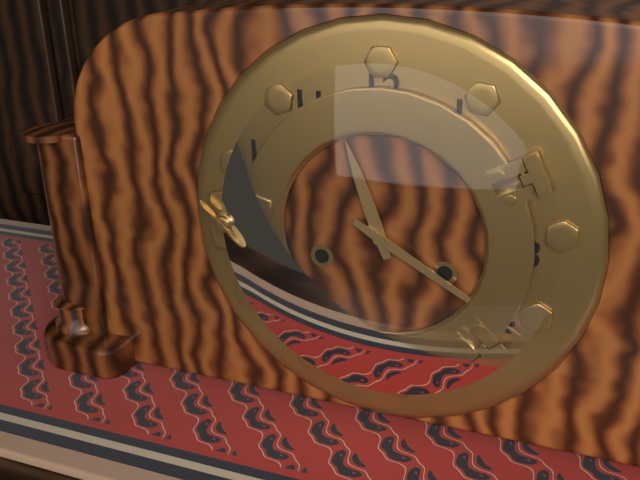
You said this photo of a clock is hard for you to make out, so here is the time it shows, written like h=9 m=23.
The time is h=11 m=20
